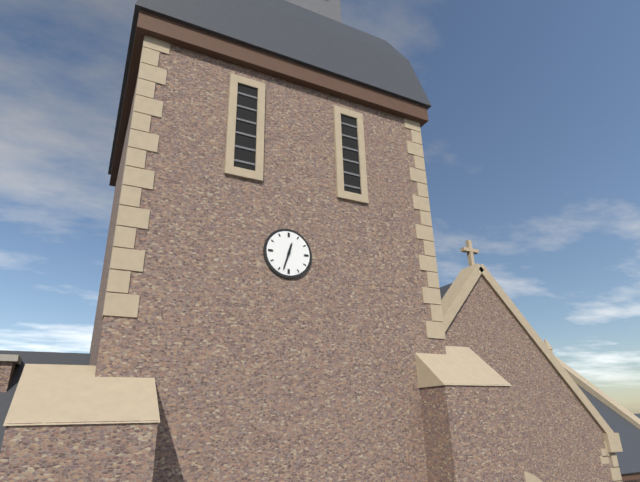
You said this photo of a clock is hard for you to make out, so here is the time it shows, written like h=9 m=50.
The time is h=12 m=33
